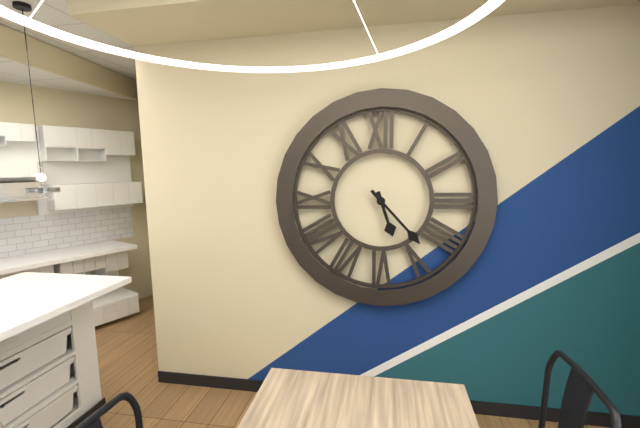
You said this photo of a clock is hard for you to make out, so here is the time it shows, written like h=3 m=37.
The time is h=5 m=23
